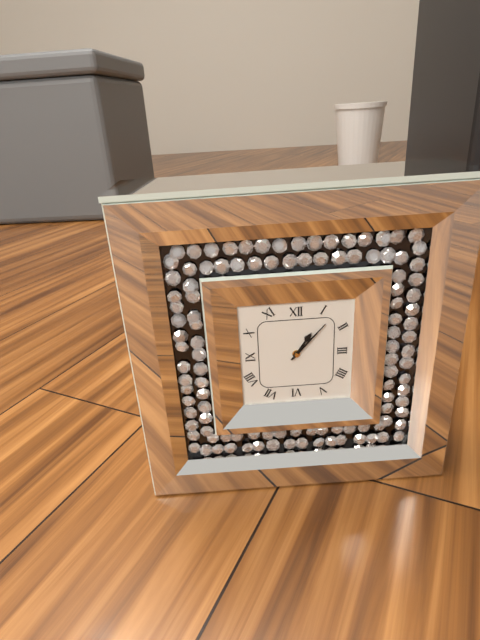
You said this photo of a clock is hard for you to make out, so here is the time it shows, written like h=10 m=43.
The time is h=1 m=7
